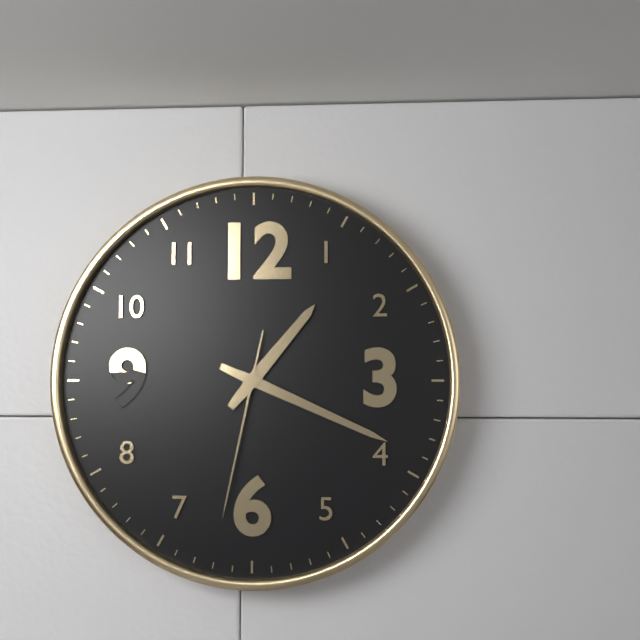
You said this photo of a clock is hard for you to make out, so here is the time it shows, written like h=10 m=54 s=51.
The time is h=1 m=19 s=32
